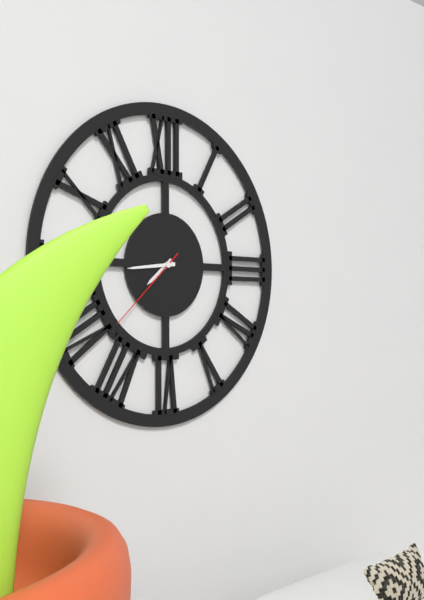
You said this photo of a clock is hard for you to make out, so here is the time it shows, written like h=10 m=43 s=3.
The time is h=7 m=44 s=38
